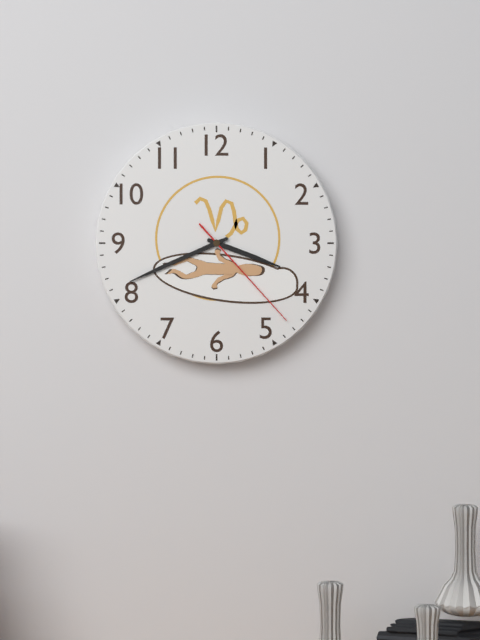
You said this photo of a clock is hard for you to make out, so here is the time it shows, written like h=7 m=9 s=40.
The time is h=3 m=41 s=23
